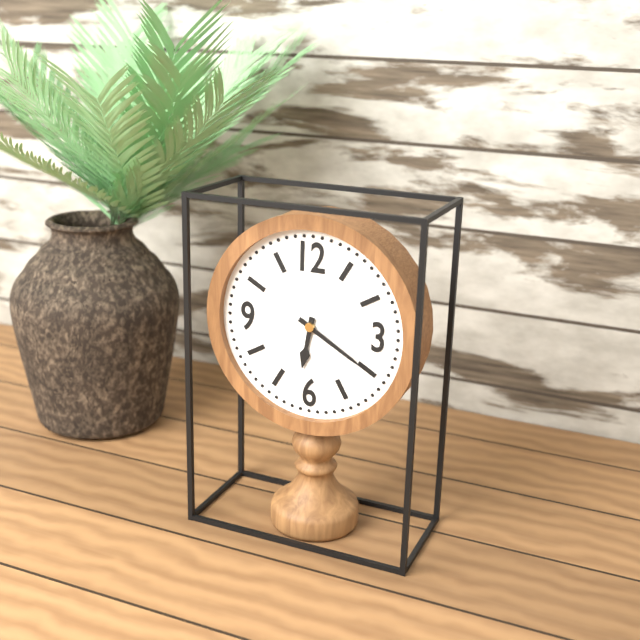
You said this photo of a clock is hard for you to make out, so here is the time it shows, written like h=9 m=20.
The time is h=6 m=20
